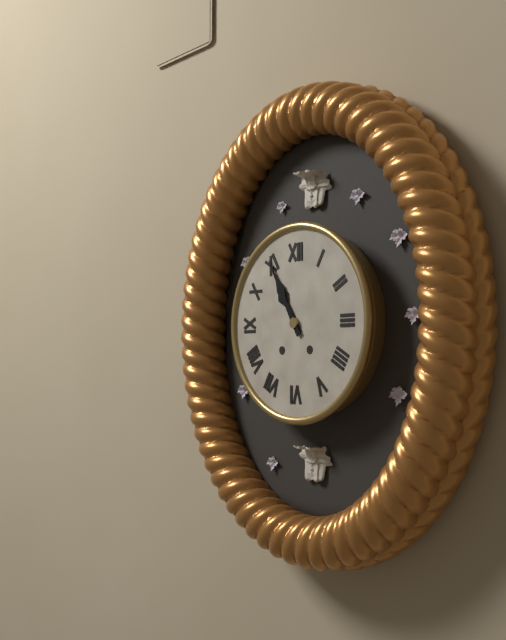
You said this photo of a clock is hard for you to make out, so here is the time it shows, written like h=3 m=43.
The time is h=10 m=55
